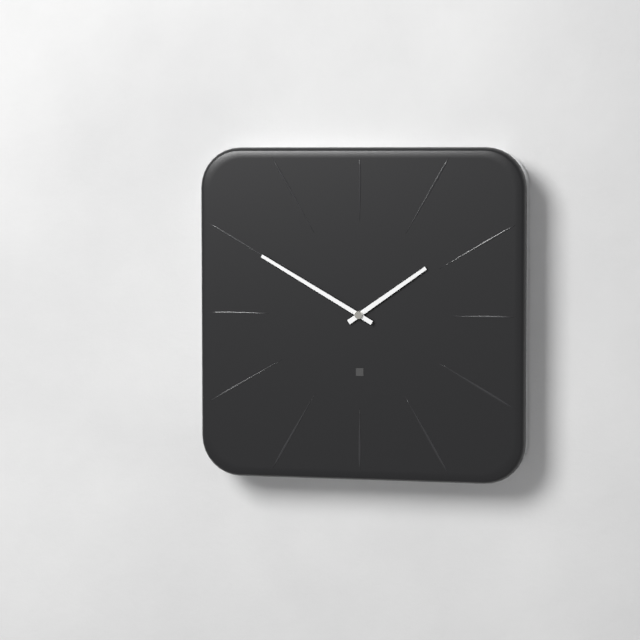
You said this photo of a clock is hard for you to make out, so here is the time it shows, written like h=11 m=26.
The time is h=1 m=50
